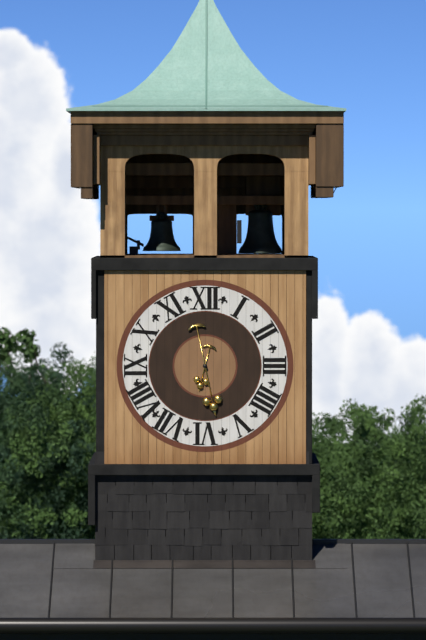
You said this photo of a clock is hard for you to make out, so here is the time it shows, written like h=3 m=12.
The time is h=6 m=28
